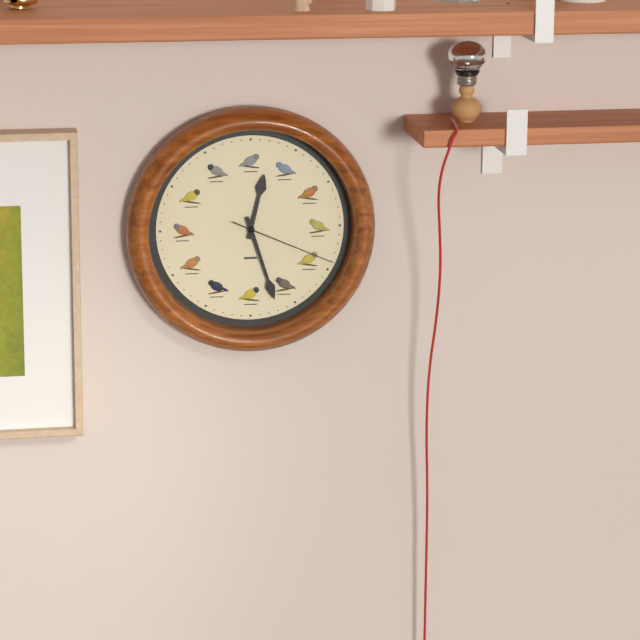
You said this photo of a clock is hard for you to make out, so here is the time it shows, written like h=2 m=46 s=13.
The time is h=12 m=27 s=19
